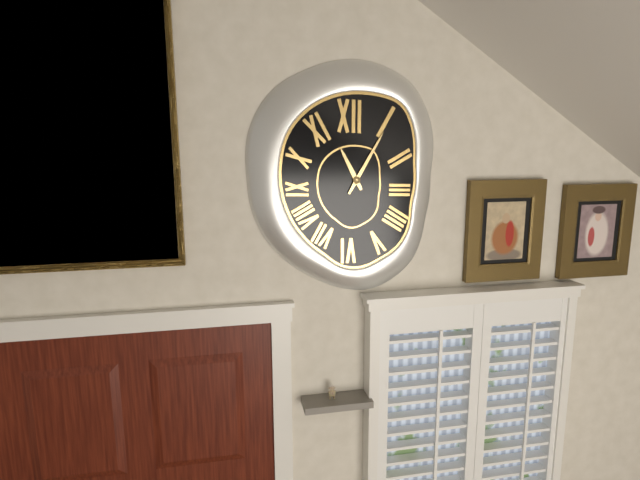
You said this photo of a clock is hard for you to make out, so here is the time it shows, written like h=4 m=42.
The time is h=11 m=5
